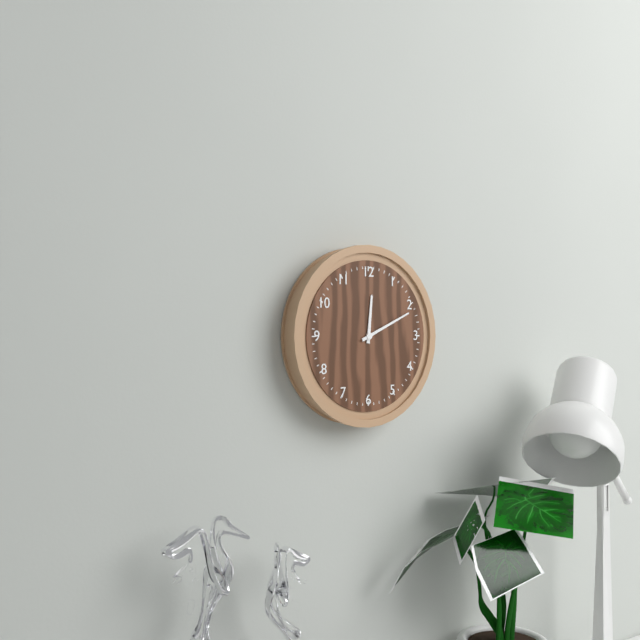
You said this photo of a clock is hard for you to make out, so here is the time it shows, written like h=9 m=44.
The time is h=12 m=11
